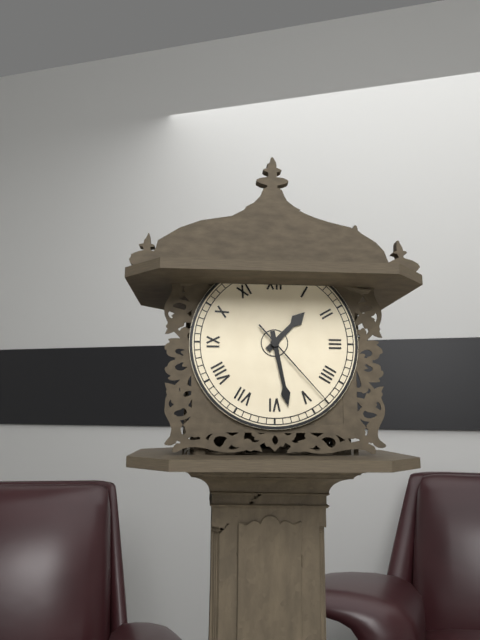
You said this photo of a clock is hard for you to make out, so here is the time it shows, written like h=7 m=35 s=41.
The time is h=1 m=28 s=23
